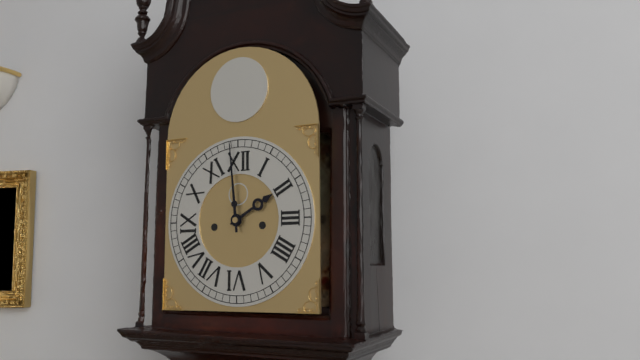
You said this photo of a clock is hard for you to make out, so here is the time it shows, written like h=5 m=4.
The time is h=1 m=59
